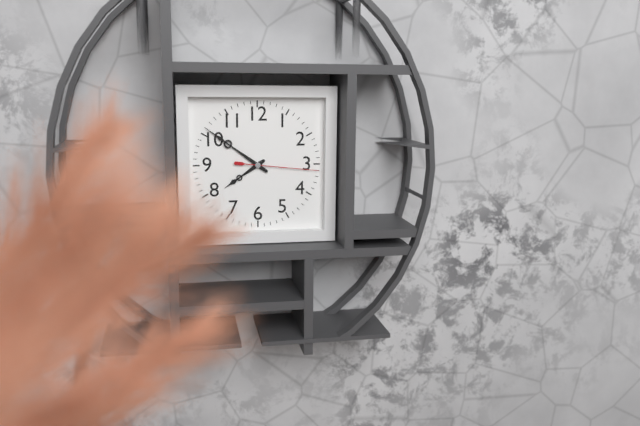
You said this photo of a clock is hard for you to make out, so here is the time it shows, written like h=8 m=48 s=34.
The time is h=7 m=51 s=16
